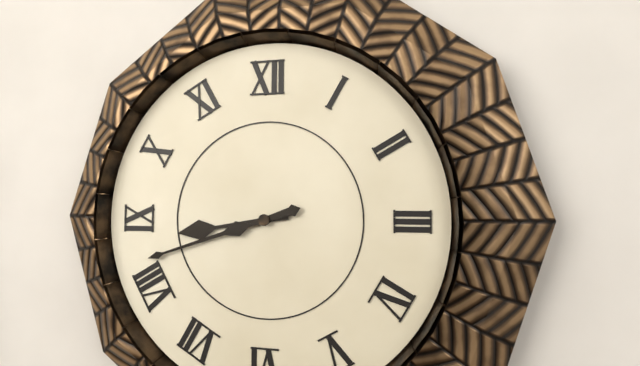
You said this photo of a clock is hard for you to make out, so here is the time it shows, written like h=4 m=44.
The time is h=8 m=42
